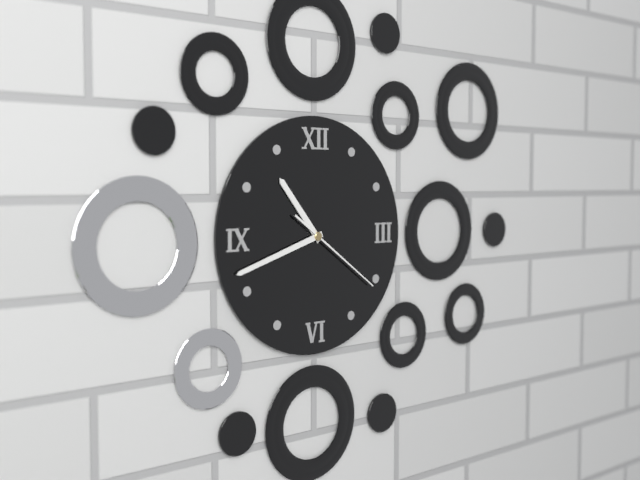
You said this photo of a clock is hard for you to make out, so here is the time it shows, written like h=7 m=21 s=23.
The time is h=10 m=42 s=21
